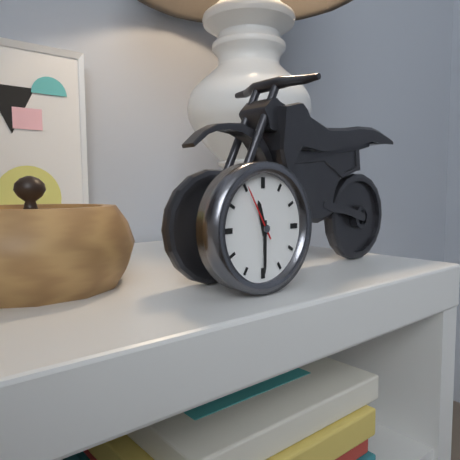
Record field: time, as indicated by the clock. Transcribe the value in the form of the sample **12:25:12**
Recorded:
**11:30:55**
